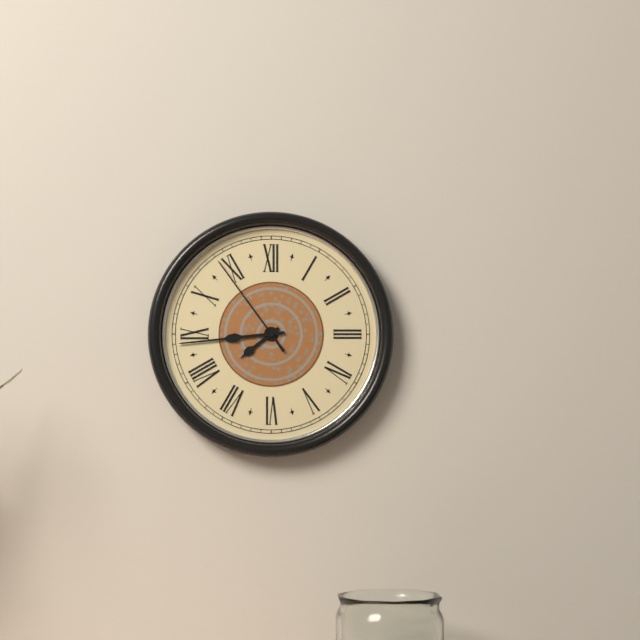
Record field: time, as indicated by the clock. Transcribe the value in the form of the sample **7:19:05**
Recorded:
**7:44:54**
